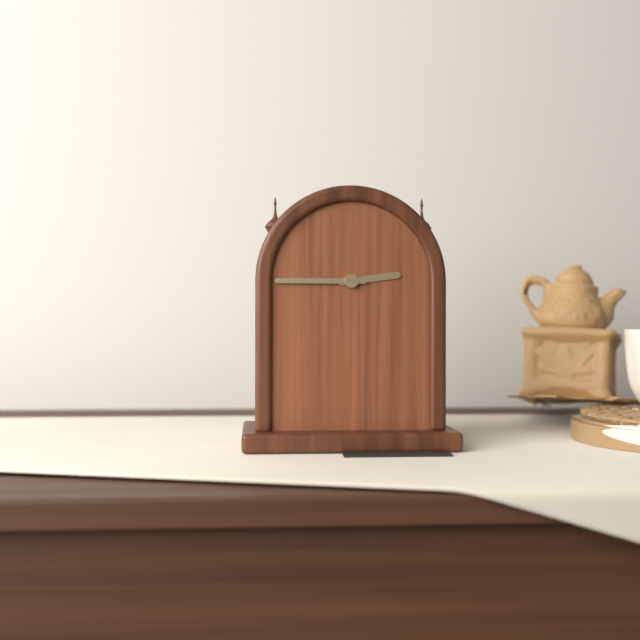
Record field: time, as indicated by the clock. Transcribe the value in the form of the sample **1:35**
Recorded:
**2:45**
